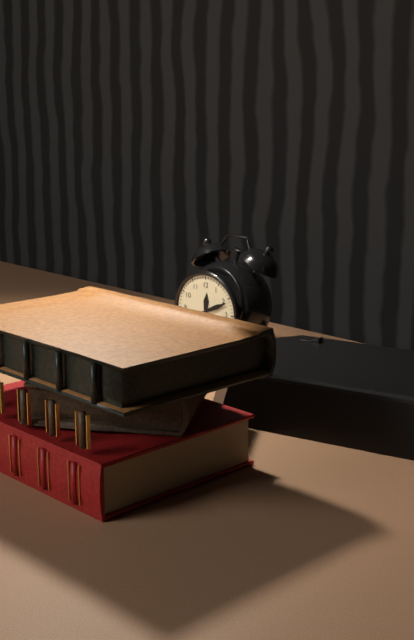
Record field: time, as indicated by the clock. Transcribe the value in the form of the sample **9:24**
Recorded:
**12:11**
